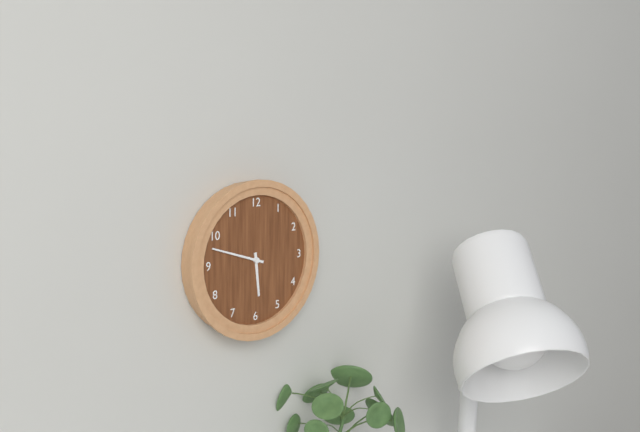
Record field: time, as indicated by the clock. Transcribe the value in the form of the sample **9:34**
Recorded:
**5:48**
